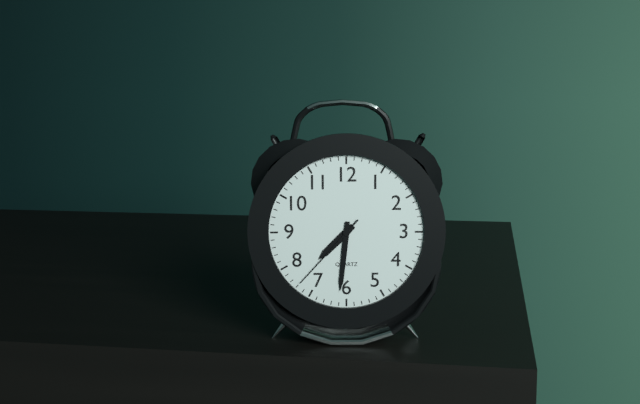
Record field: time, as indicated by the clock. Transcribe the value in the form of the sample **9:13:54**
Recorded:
**7:31:37**
